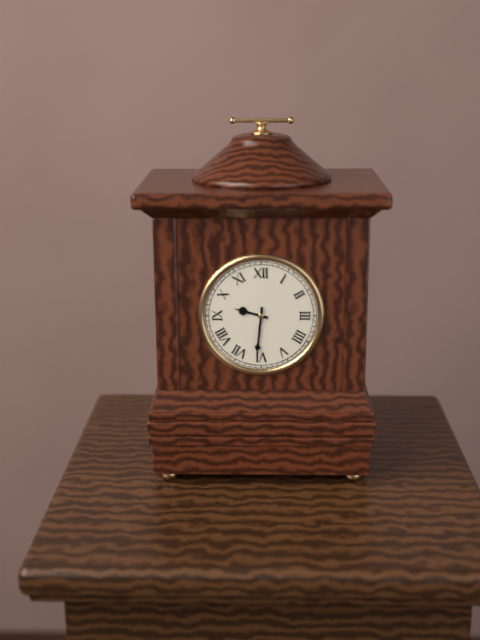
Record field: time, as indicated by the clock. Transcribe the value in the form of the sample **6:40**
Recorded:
**9:31**
